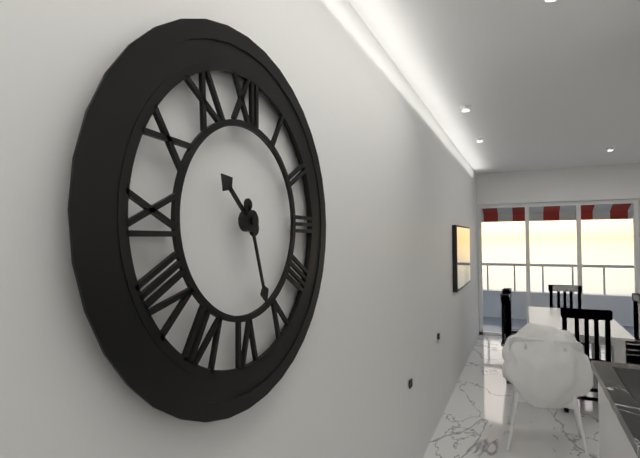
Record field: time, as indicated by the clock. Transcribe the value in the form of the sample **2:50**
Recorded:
**10:27**
